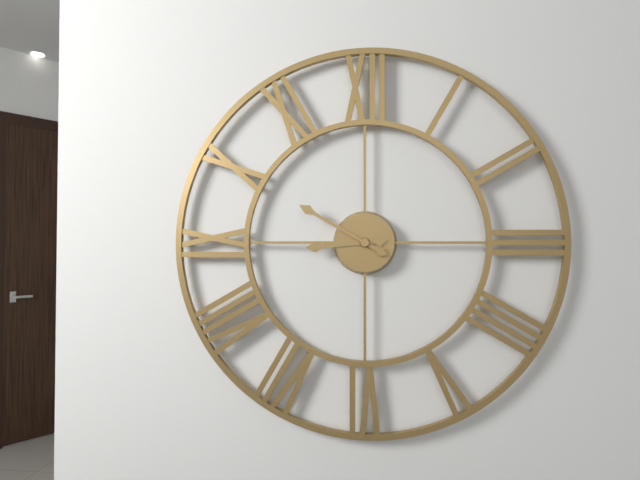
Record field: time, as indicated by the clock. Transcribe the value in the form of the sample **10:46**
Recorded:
**8:50**
